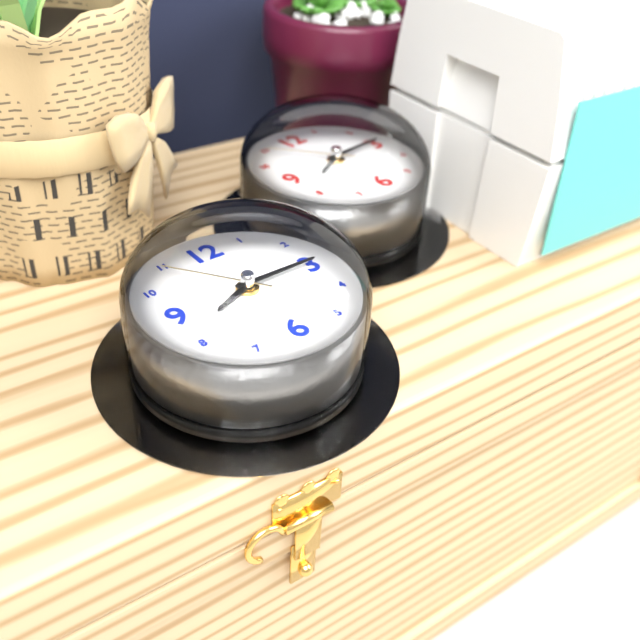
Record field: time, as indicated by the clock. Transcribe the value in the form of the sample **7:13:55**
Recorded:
**8:15:54**
